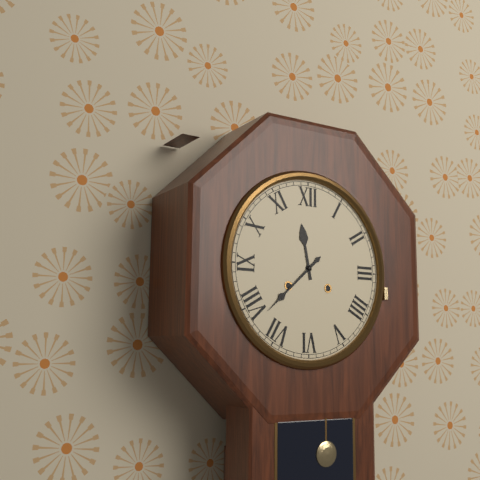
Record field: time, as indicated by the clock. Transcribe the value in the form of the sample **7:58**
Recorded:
**11:38**
